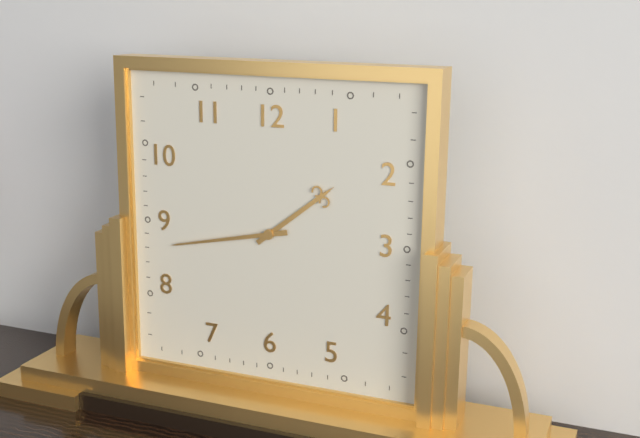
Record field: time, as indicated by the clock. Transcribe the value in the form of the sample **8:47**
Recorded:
**1:43**
